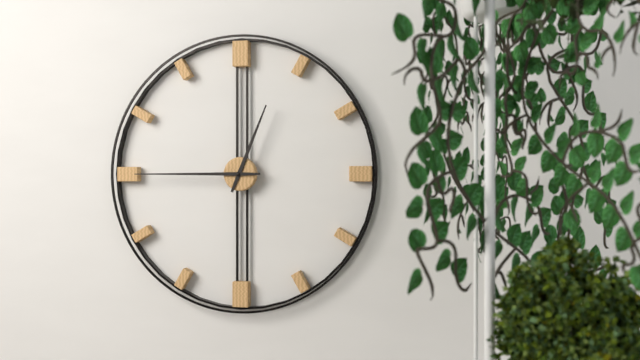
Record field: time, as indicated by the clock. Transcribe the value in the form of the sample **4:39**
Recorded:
**12:45**
